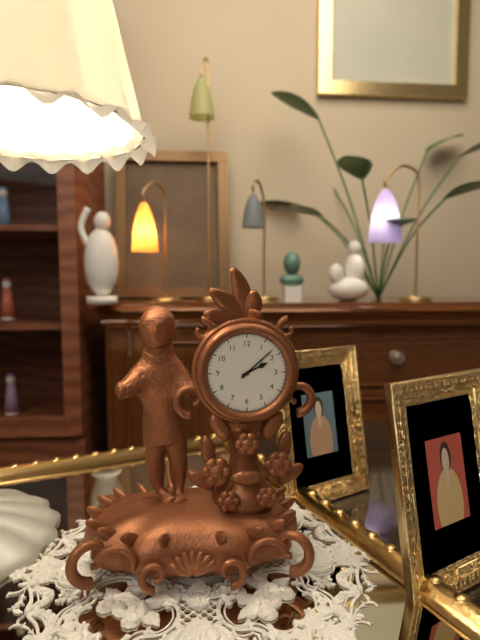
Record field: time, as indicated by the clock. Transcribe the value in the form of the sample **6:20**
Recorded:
**2:08**
